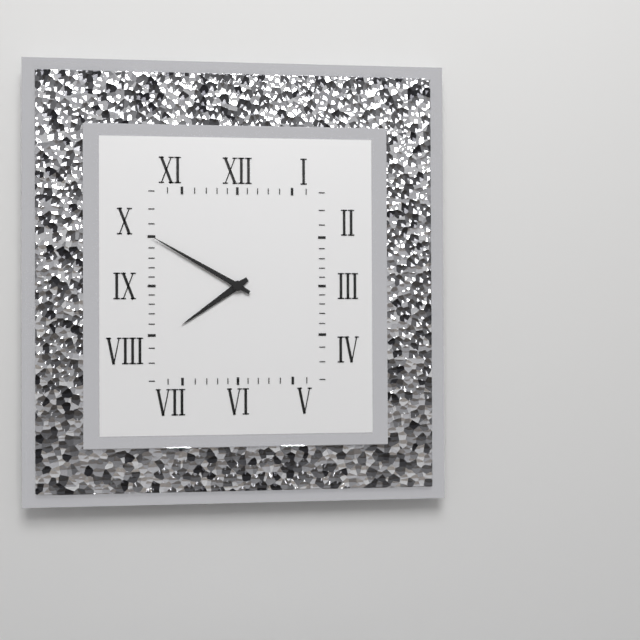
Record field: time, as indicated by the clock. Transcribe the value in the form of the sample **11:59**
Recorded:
**7:50**
